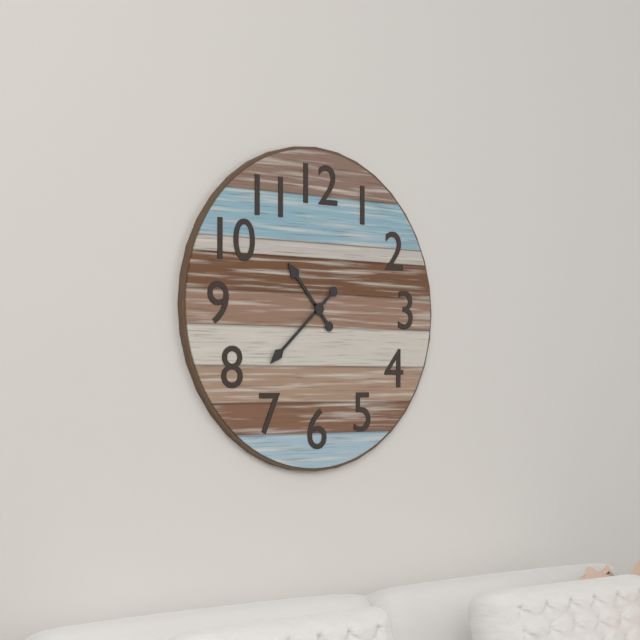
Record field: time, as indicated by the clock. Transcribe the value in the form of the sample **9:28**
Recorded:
**10:38**
